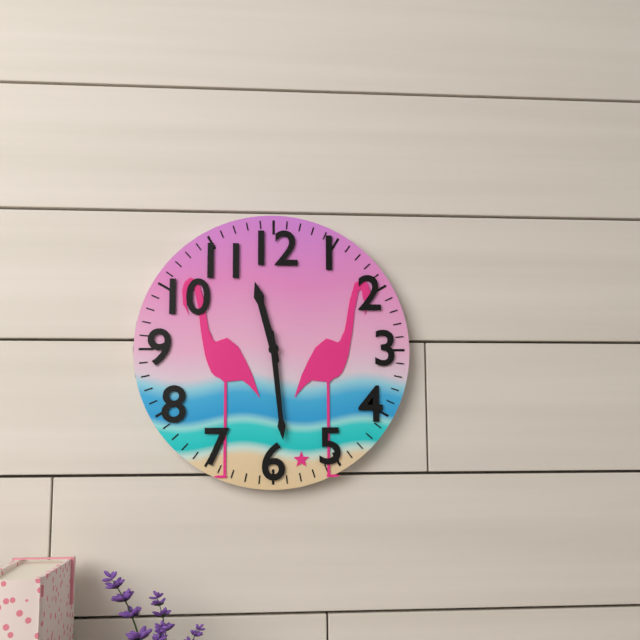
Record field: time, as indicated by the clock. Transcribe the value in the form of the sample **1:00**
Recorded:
**11:29**
